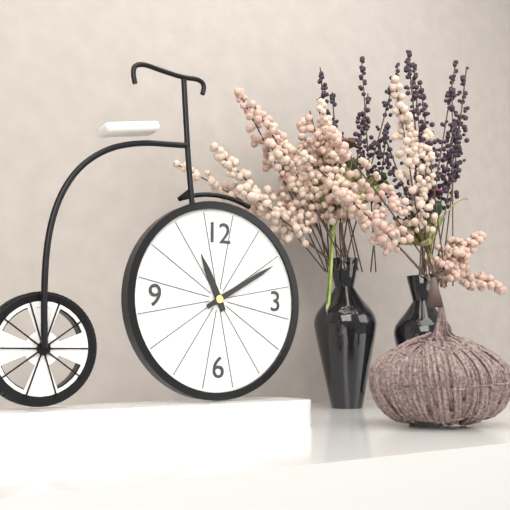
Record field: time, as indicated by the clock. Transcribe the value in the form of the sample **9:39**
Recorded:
**11:10**
